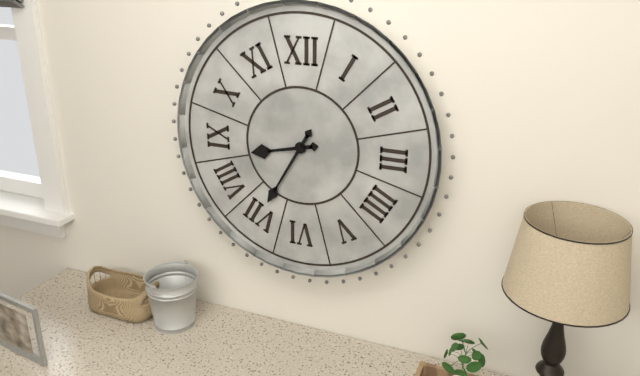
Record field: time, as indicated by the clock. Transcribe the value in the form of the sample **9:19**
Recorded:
**8:35**
